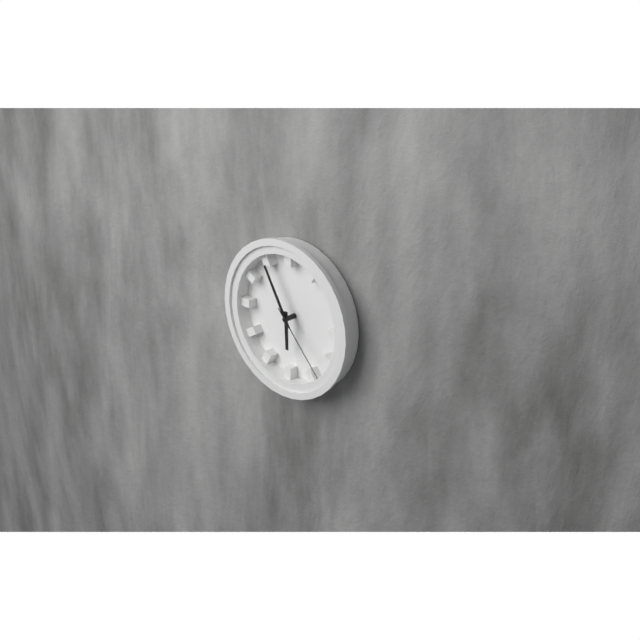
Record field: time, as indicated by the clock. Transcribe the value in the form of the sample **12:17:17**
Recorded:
**5:55:23**
